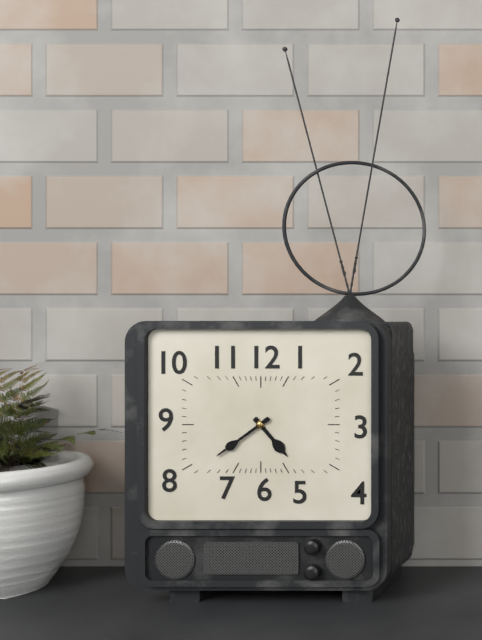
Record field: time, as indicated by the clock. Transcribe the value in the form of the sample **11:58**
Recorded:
**4:39**
